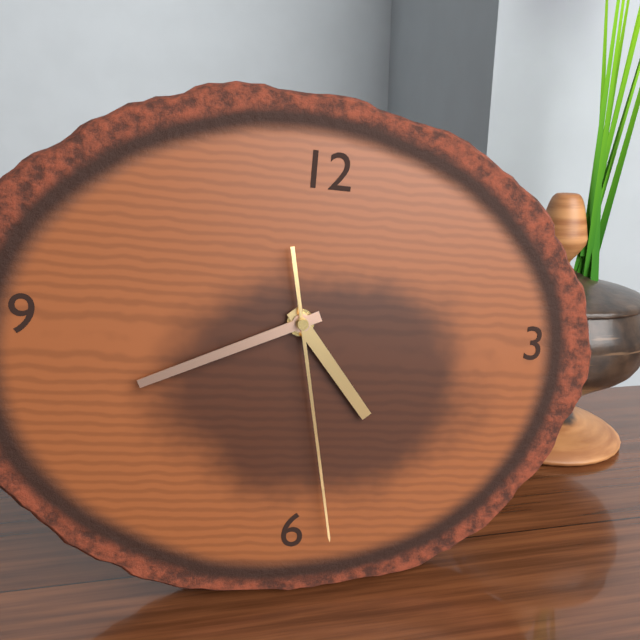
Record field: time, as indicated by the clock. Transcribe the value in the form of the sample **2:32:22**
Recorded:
**4:41:28**
